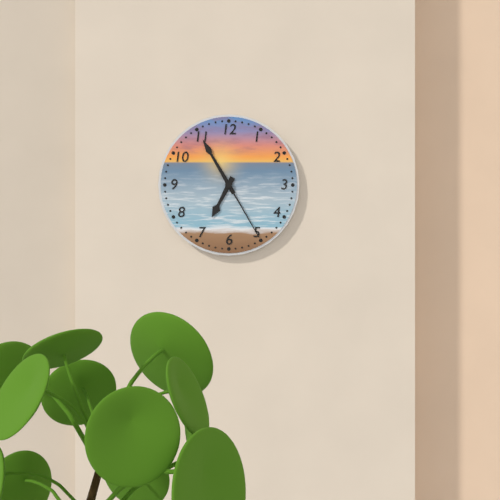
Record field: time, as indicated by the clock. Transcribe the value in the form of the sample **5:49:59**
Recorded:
**6:55:25**
